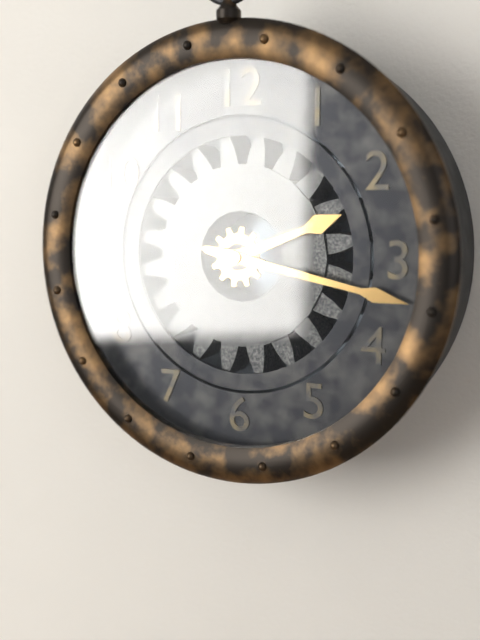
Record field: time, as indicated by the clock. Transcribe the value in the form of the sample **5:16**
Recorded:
**2:17**
